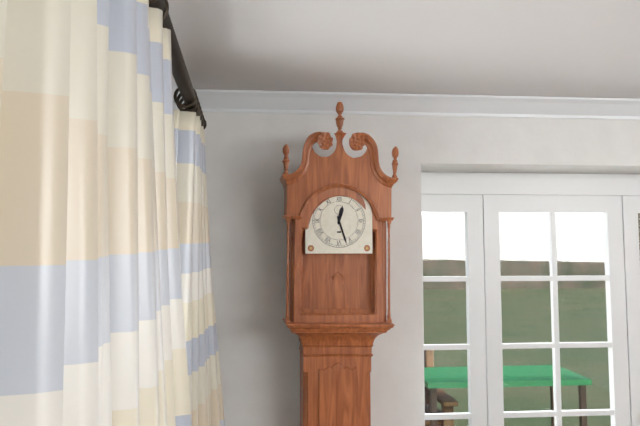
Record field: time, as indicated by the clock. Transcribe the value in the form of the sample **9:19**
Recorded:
**12:27**
